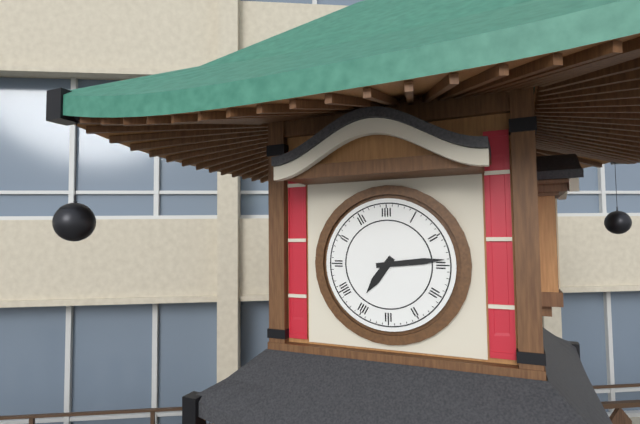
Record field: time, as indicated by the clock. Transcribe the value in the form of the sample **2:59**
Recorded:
**7:14**
